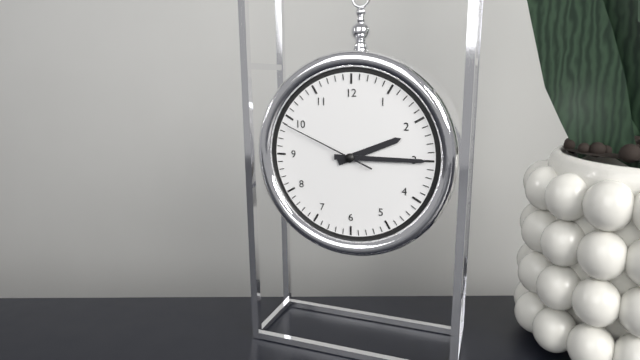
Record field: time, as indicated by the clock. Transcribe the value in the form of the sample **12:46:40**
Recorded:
**2:15:49**
